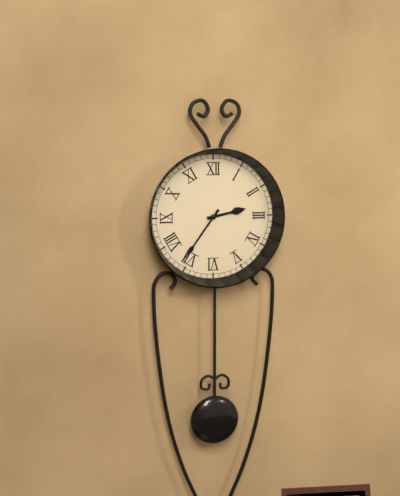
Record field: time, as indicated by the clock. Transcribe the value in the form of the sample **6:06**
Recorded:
**2:36**
